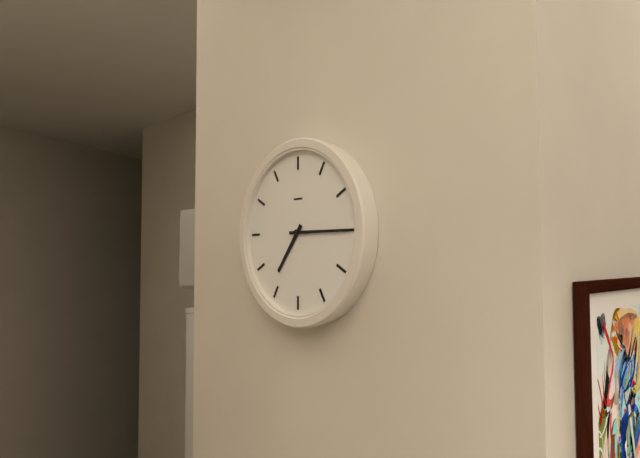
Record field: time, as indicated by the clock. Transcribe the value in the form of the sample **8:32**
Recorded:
**7:15**
